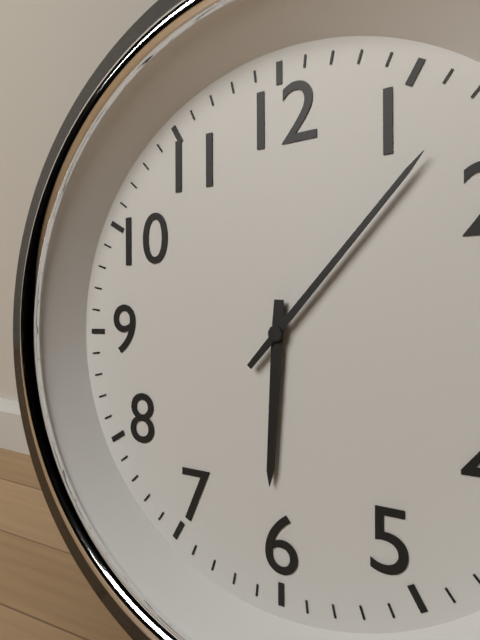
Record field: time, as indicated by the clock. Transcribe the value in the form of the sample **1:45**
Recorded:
**6:07**
